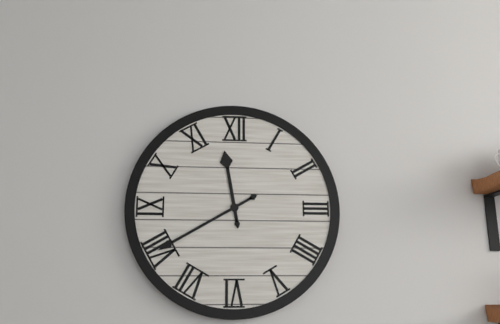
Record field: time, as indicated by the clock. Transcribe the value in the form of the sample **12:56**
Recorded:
**11:40**
